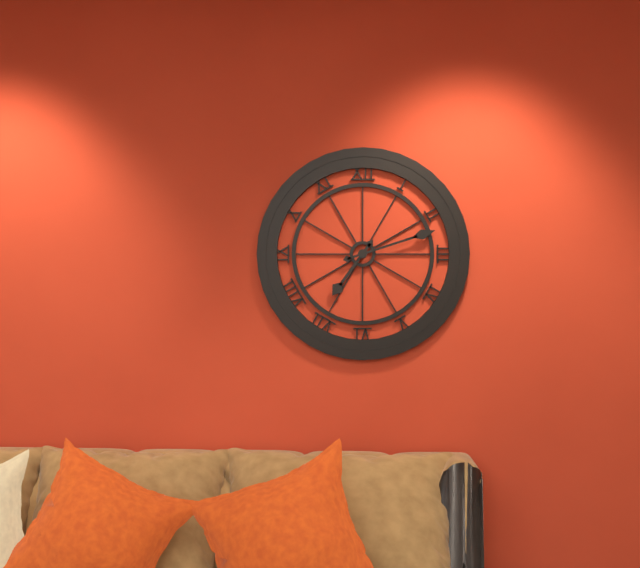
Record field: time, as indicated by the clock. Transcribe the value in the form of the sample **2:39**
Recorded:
**7:12**
